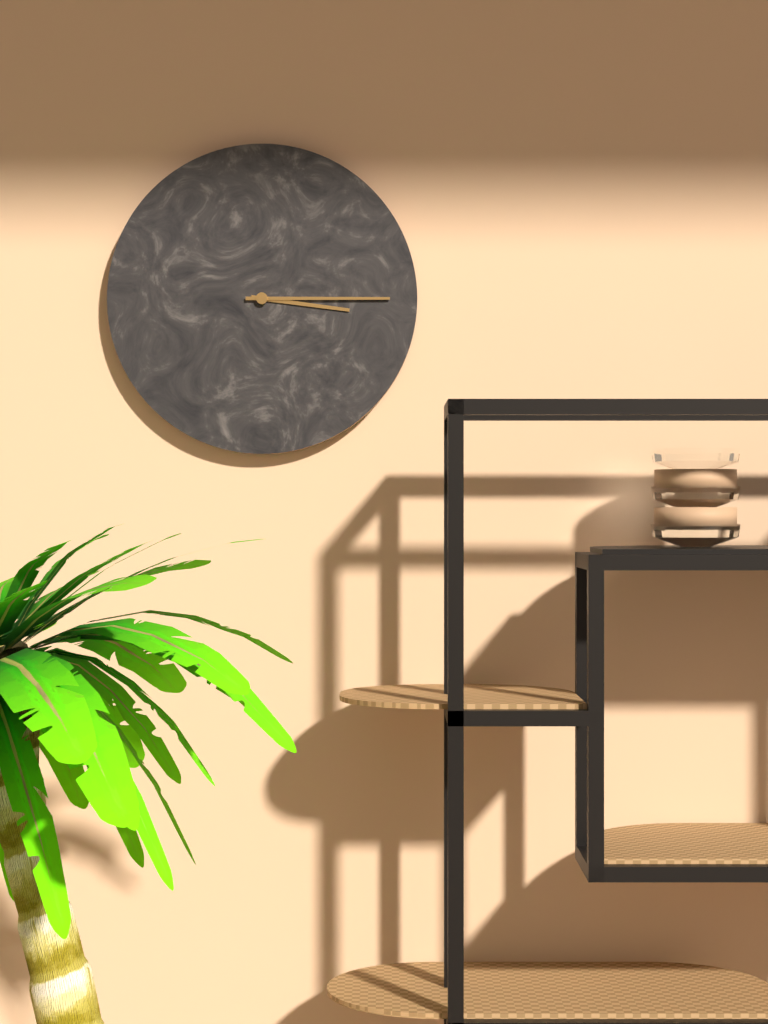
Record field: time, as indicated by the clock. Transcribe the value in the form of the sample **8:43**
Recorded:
**3:15**
